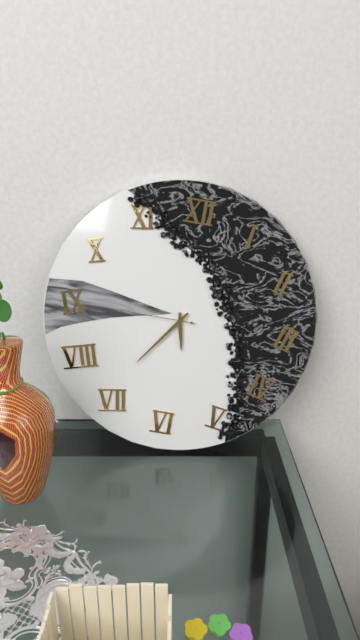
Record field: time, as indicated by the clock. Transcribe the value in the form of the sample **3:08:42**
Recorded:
**5:36:45**
